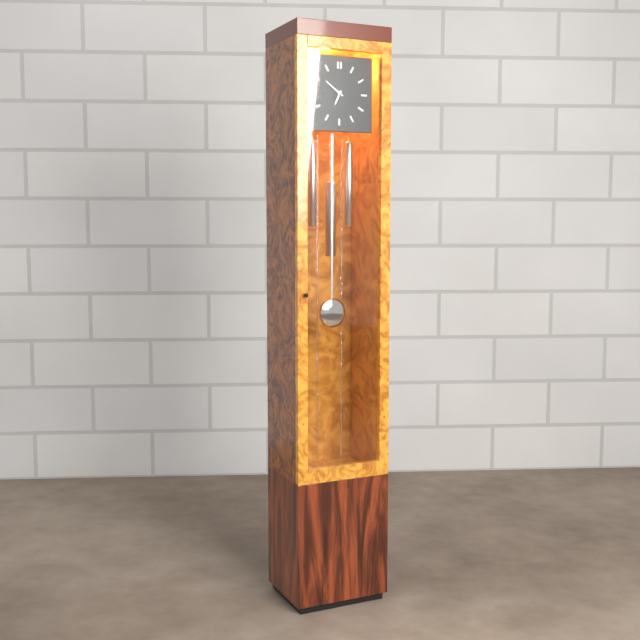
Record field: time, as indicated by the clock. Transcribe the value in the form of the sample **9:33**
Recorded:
**6:51**
